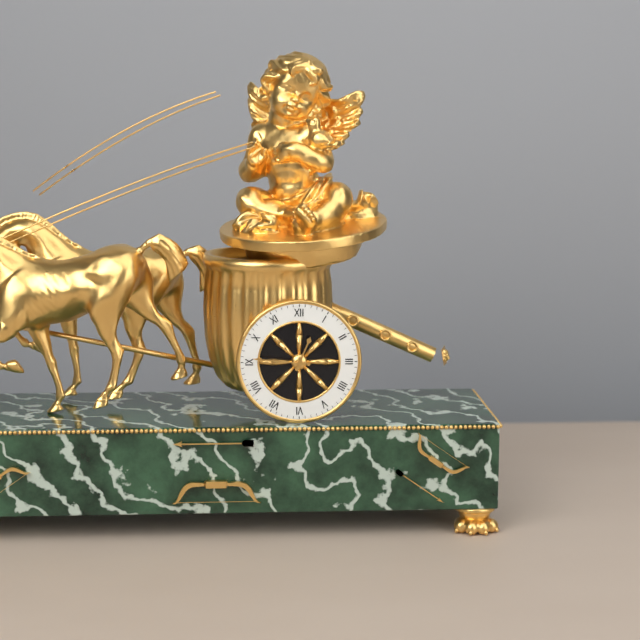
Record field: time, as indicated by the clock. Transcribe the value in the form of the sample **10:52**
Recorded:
**12:46**
